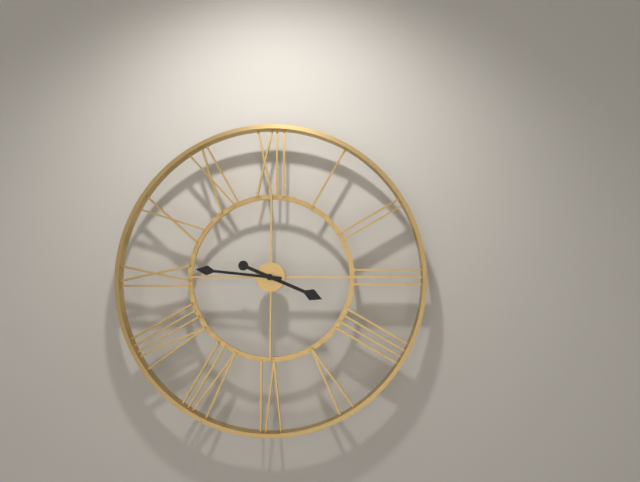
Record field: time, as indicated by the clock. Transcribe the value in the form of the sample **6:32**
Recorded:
**3:46**
